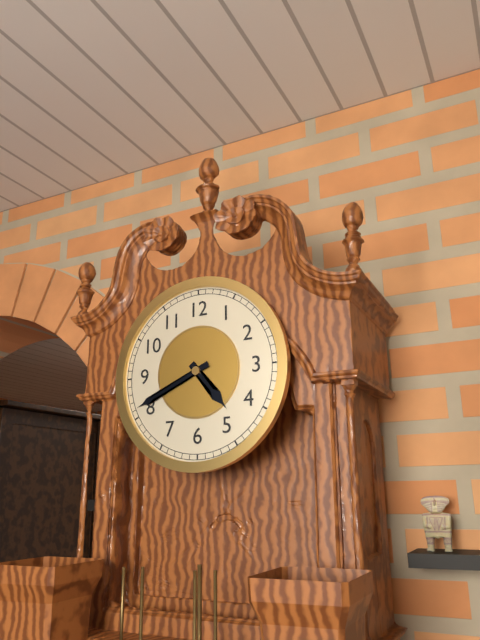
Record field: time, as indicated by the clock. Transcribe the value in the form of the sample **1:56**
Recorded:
**4:41**
